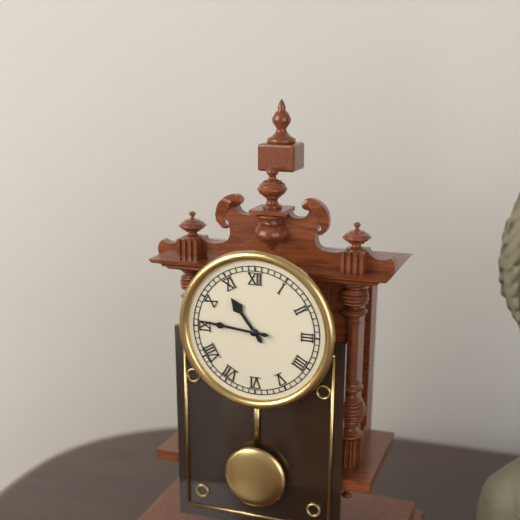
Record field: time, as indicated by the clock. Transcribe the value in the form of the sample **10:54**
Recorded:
**10:46**
